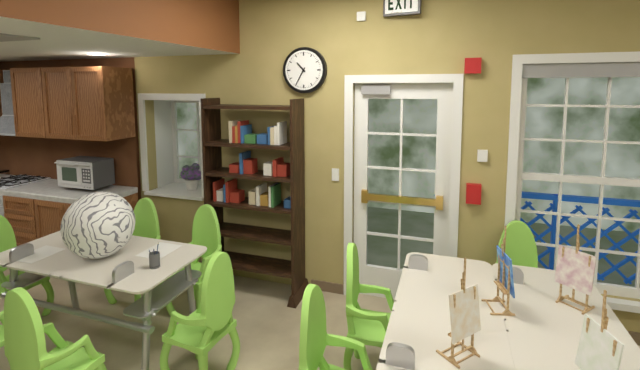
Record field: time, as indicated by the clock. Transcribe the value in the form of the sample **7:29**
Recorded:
**10:35**
